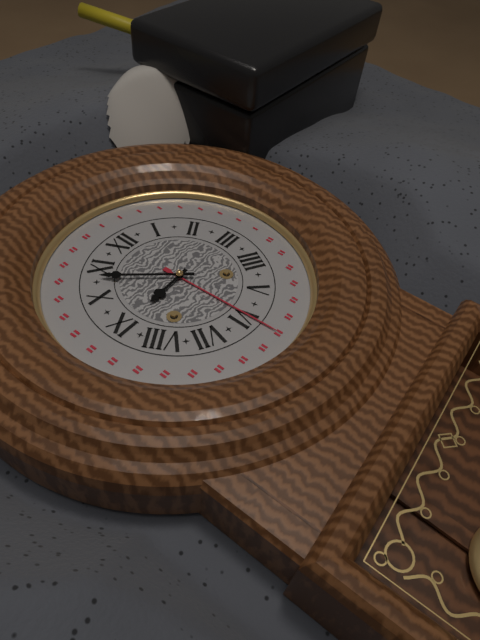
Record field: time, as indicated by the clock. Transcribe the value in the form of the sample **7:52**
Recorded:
**8:53**
